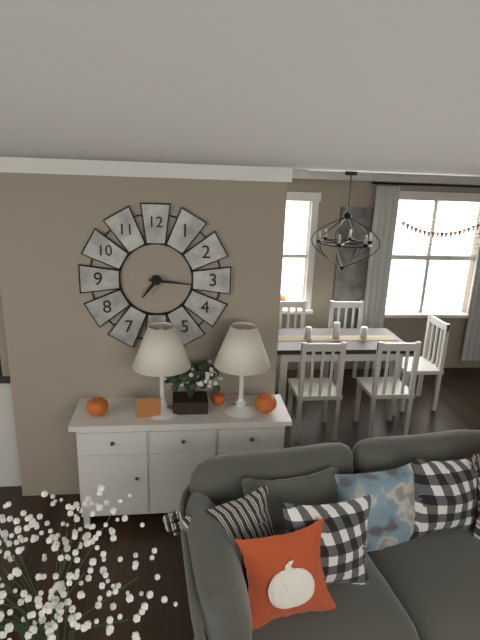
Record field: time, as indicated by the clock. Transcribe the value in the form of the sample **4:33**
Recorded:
**7:16**
